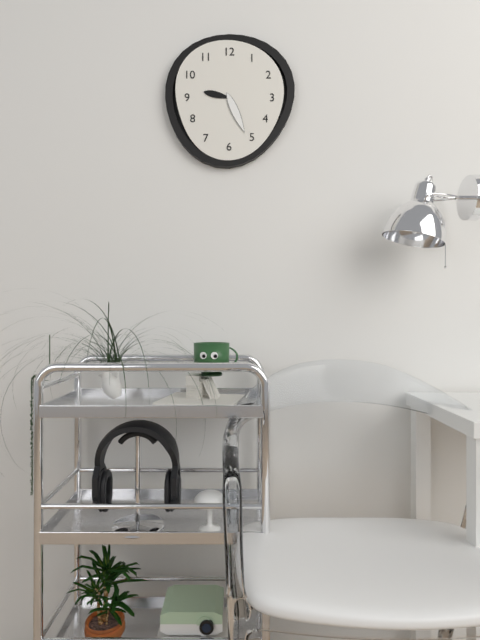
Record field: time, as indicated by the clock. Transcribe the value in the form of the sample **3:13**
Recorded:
**9:26**
